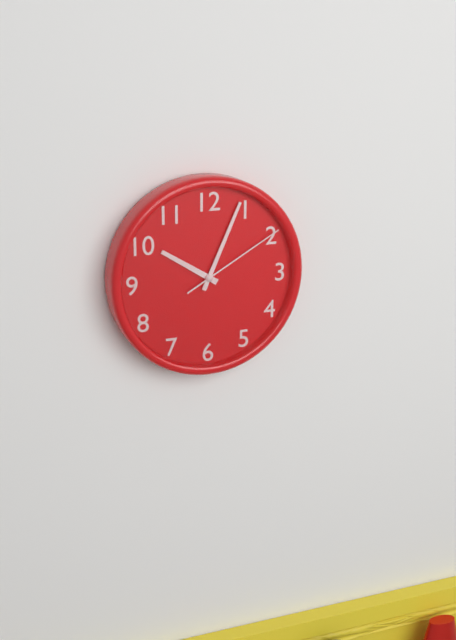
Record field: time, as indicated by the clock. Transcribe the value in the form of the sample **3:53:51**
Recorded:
**10:04:10**
